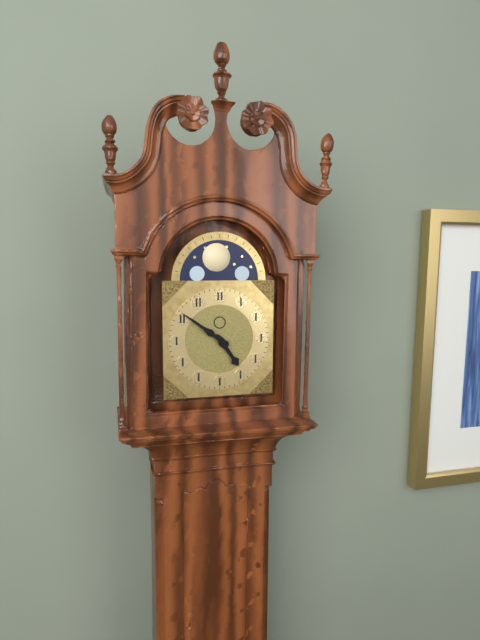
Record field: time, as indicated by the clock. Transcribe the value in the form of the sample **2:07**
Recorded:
**4:51**
